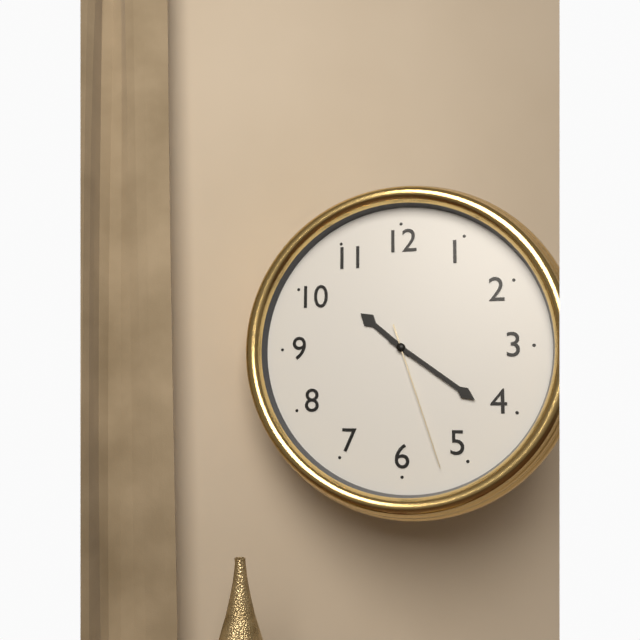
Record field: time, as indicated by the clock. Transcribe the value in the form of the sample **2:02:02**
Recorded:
**10:21:27**
